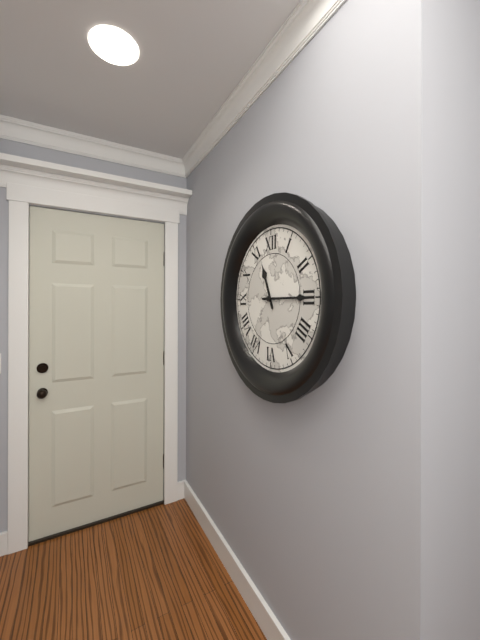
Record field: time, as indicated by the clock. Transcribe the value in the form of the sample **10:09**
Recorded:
**11:15**
